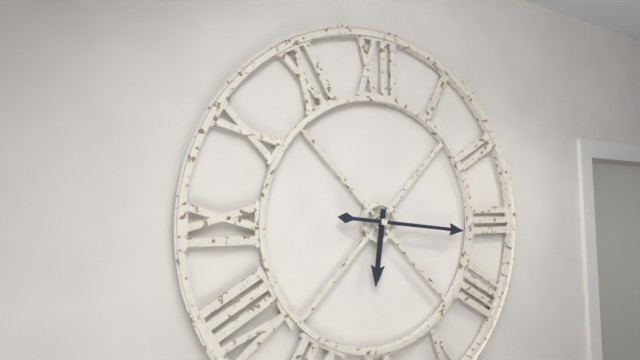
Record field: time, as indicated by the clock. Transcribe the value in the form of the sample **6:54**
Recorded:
**6:16**
